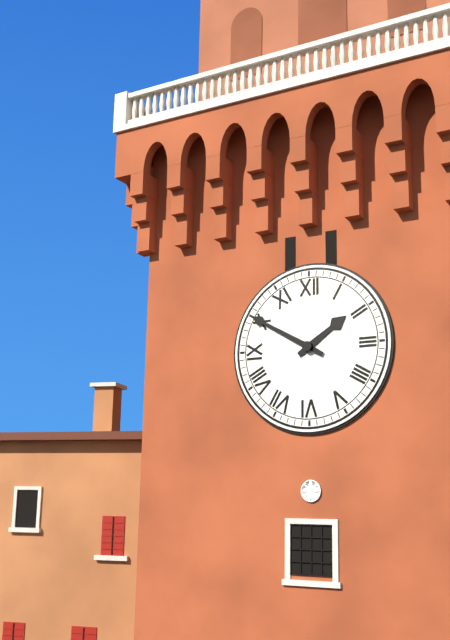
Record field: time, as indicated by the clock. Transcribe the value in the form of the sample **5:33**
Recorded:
**1:50**
